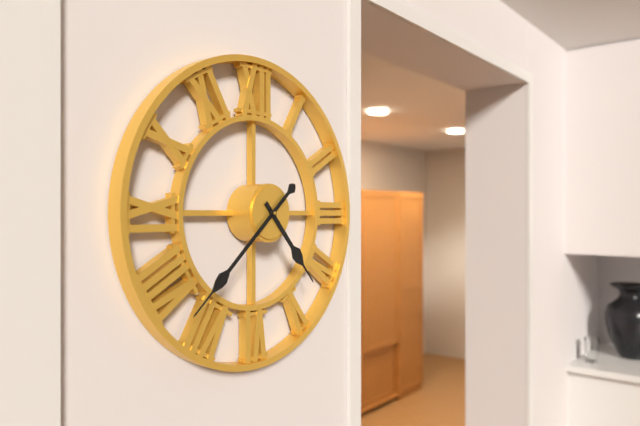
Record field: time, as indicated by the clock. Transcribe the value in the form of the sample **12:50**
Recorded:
**4:38**
